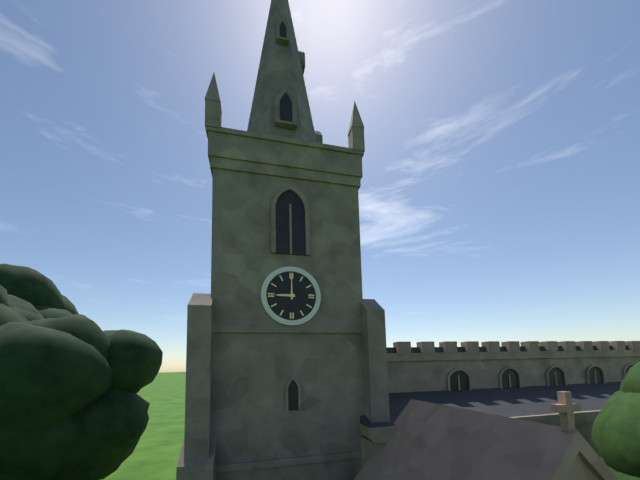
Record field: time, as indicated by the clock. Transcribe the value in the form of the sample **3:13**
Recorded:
**9:00**
